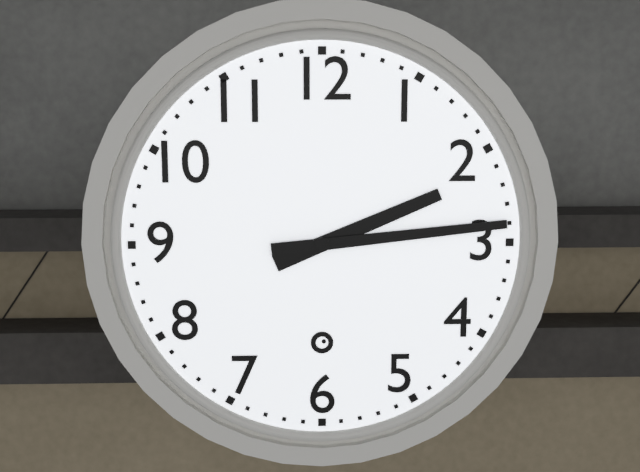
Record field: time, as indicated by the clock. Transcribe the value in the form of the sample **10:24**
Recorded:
**2:14**
